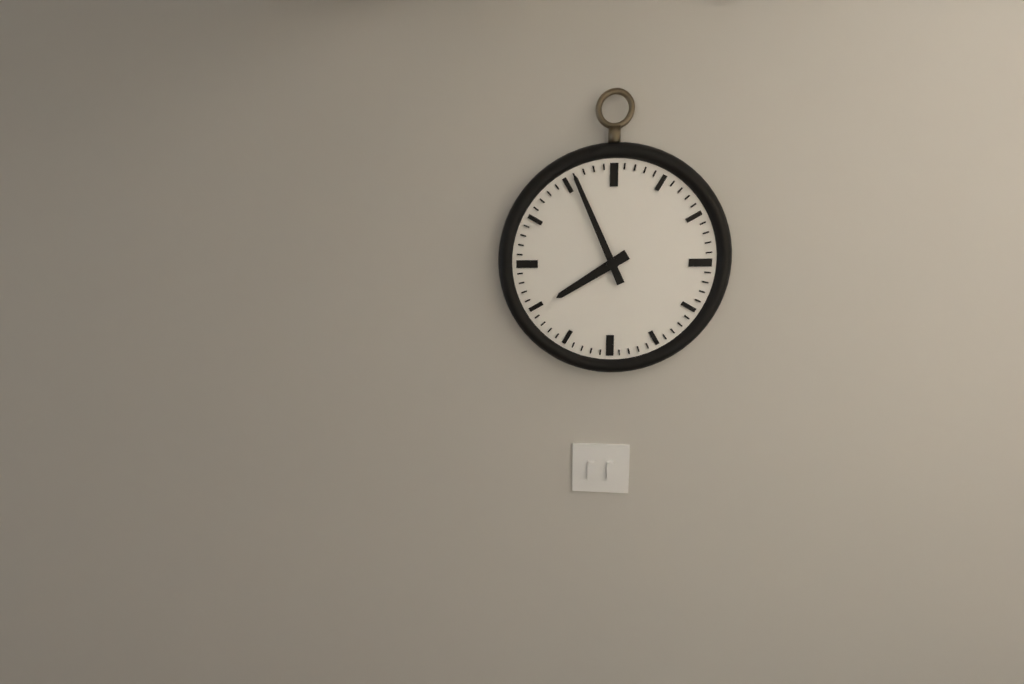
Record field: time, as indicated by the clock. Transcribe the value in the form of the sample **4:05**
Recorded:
**7:56**
